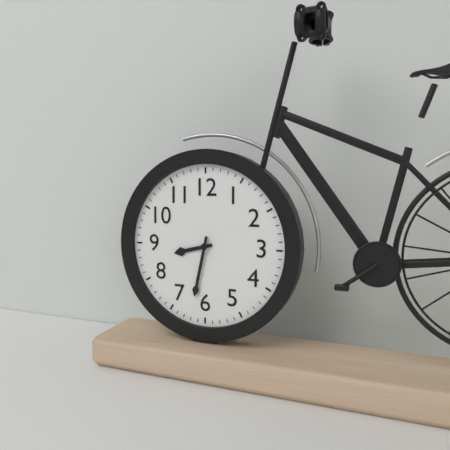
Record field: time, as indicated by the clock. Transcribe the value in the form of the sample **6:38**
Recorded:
**8:32**
